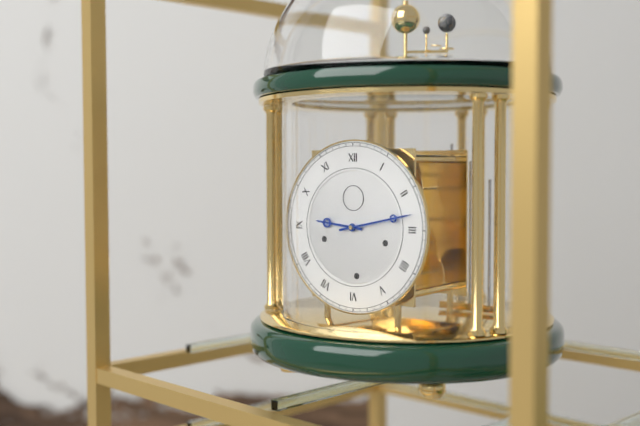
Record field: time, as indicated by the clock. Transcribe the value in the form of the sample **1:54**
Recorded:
**9:13**
